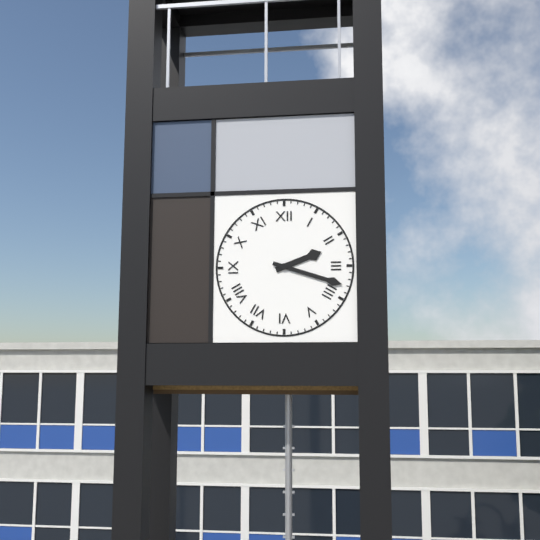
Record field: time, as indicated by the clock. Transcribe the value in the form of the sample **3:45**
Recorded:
**2:18**
